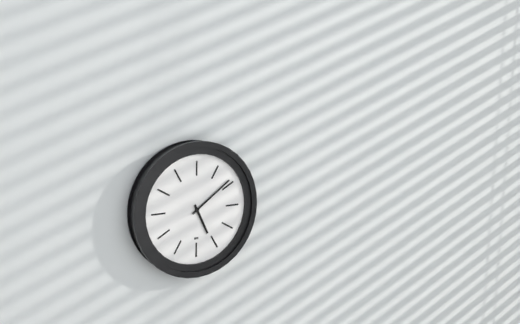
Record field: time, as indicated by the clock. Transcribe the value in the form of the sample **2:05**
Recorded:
**5:09**
